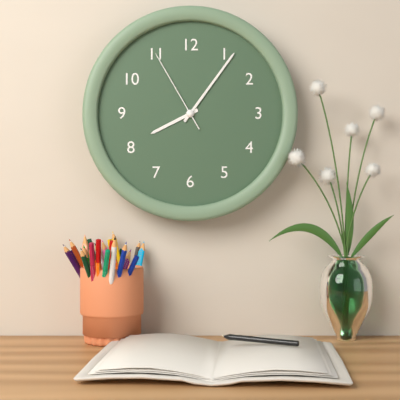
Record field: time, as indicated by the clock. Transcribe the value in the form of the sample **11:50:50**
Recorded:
**8:06:55**
